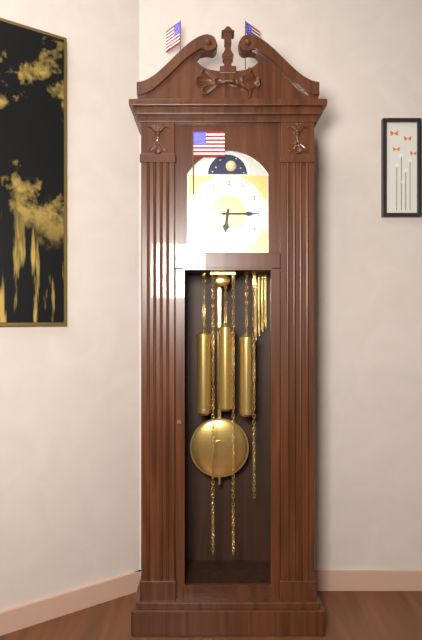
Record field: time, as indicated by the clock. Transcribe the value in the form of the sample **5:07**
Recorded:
**6:15**
